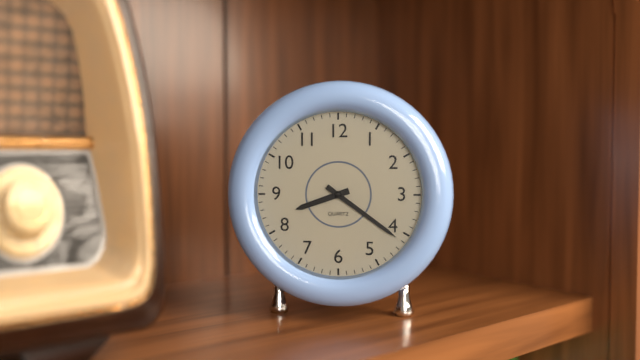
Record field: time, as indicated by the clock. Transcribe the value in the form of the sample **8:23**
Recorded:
**8:21**
